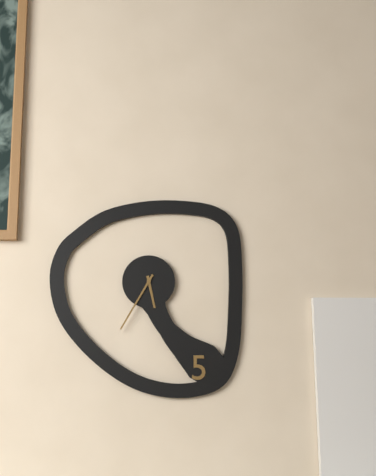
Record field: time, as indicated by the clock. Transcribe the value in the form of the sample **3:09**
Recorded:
**5:35**
